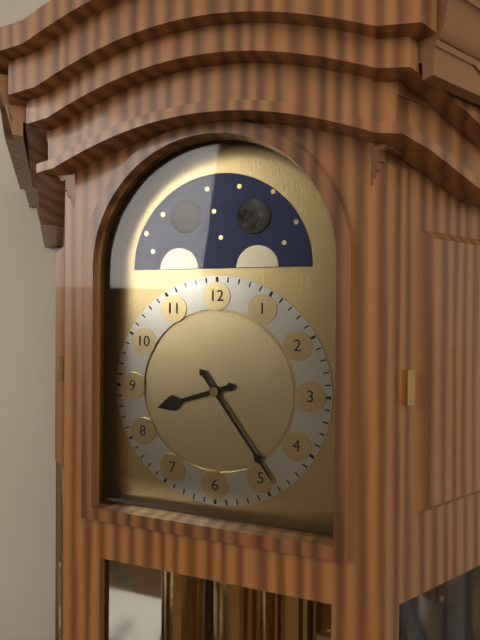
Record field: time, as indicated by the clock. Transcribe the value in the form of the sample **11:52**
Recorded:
**8:24**
